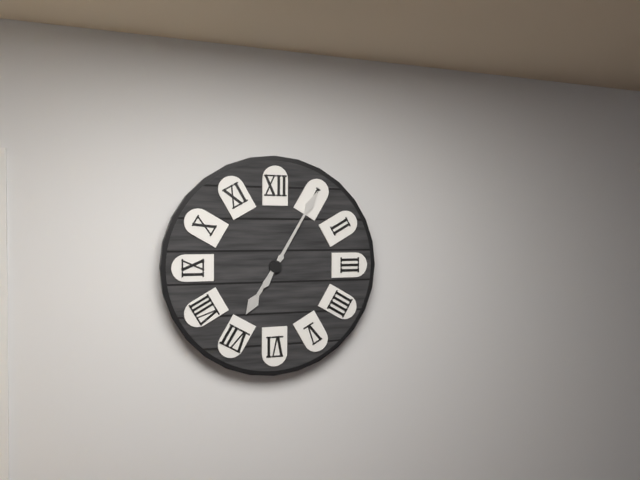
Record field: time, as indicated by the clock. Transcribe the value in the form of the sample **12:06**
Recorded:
**7:05**
